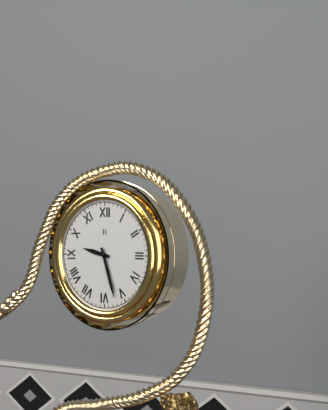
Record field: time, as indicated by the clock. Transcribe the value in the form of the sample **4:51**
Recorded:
**9:27**
